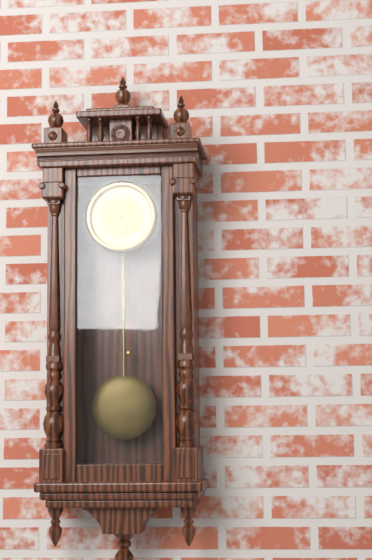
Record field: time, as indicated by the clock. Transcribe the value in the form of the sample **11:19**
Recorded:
**5:24**
